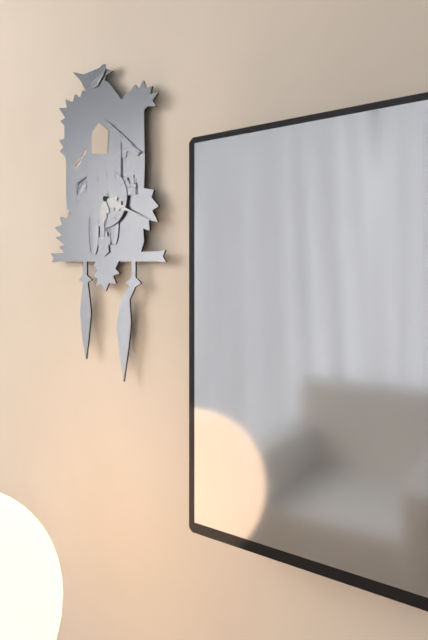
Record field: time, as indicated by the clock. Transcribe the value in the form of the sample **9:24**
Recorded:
**6:19**
